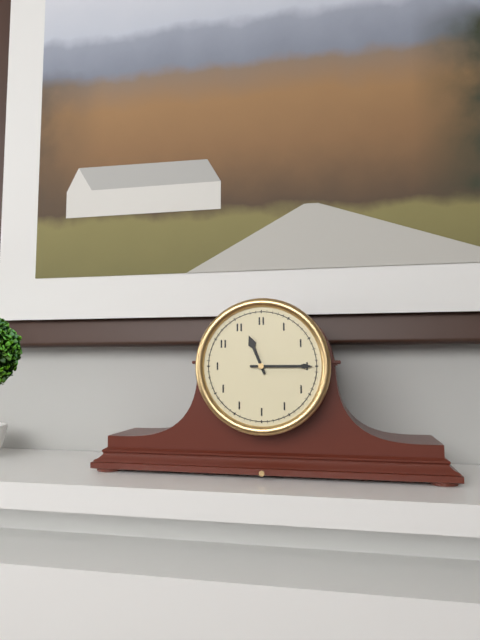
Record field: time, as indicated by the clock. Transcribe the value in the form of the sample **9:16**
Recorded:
**11:15**
